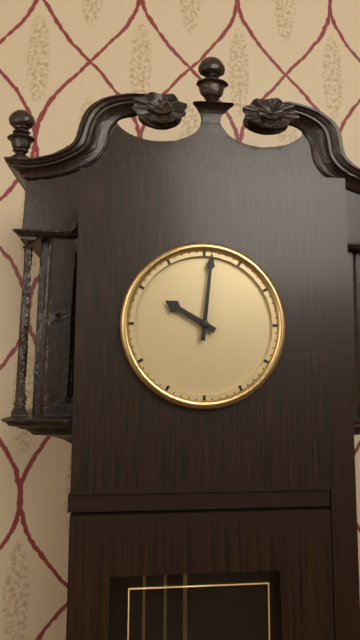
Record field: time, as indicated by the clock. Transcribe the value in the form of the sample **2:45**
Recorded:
**10:01**
